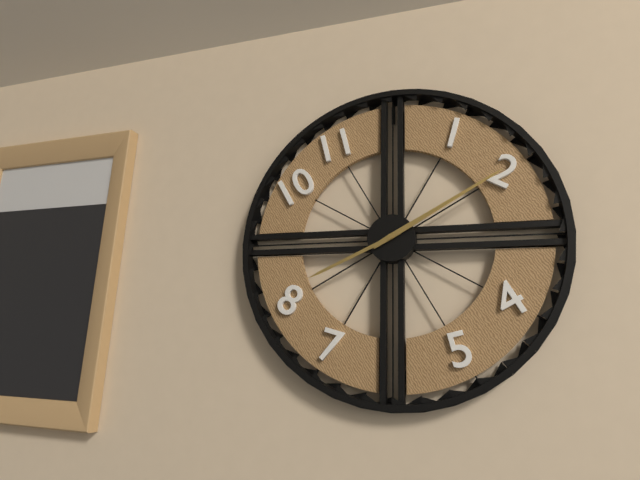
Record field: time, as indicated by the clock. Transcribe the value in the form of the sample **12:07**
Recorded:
**8:10**
